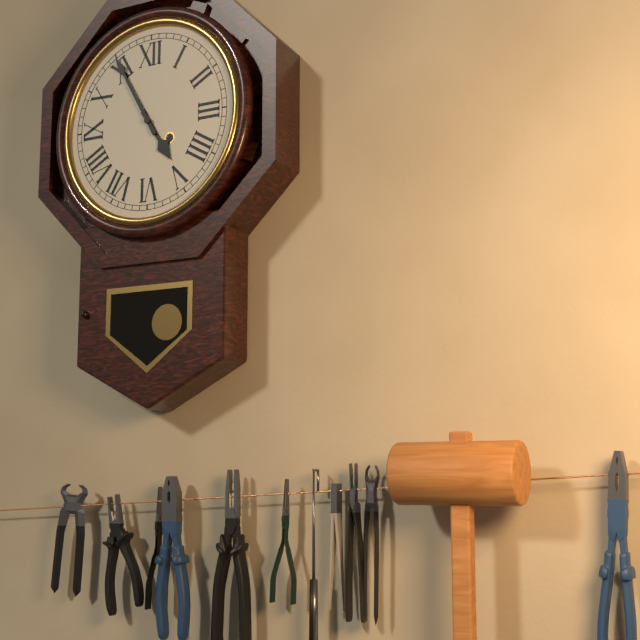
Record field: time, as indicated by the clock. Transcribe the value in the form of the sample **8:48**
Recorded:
**4:55**
